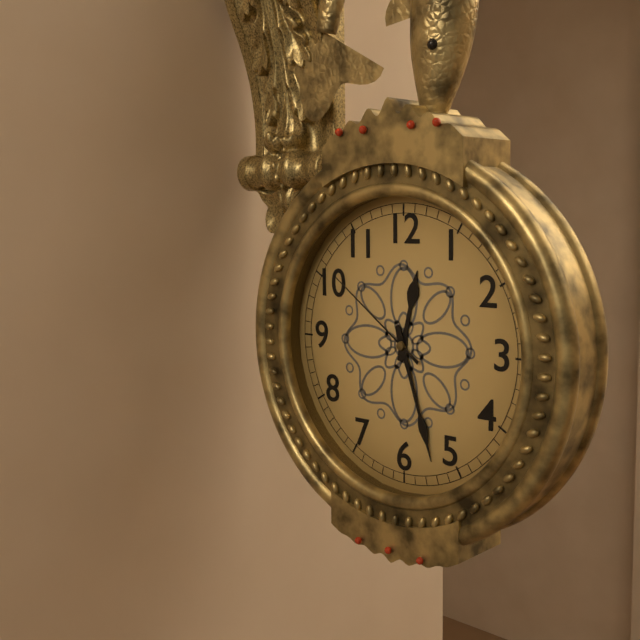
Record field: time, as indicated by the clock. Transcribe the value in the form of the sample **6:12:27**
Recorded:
**12:27:51**
